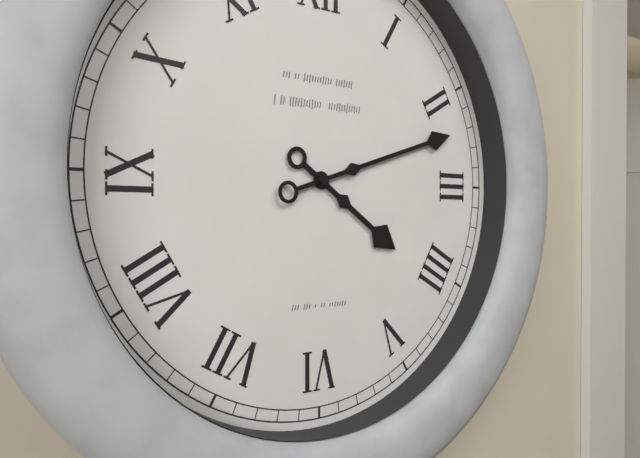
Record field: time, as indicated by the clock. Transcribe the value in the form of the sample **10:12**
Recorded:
**4:12**
